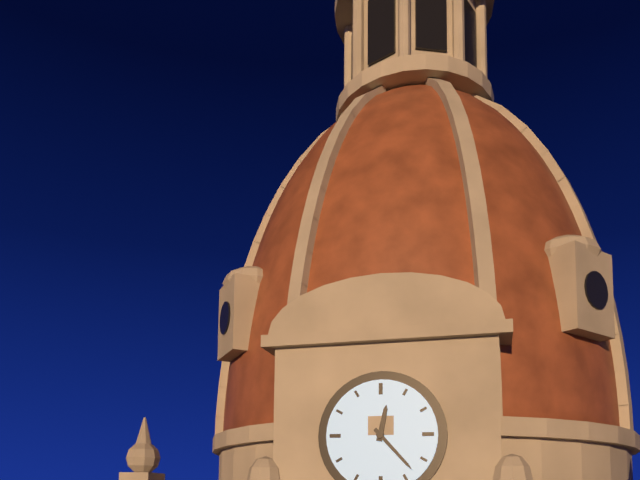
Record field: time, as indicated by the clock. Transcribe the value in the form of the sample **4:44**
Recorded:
**12:23**
